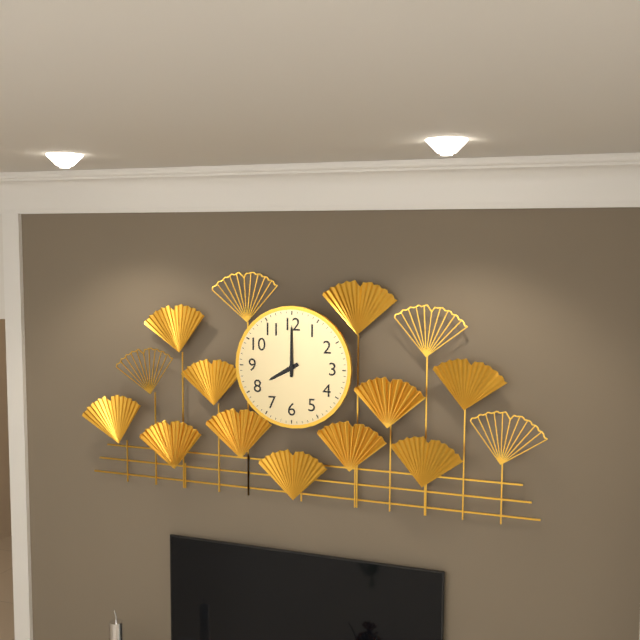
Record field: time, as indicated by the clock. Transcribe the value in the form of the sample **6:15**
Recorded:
**8:00**
